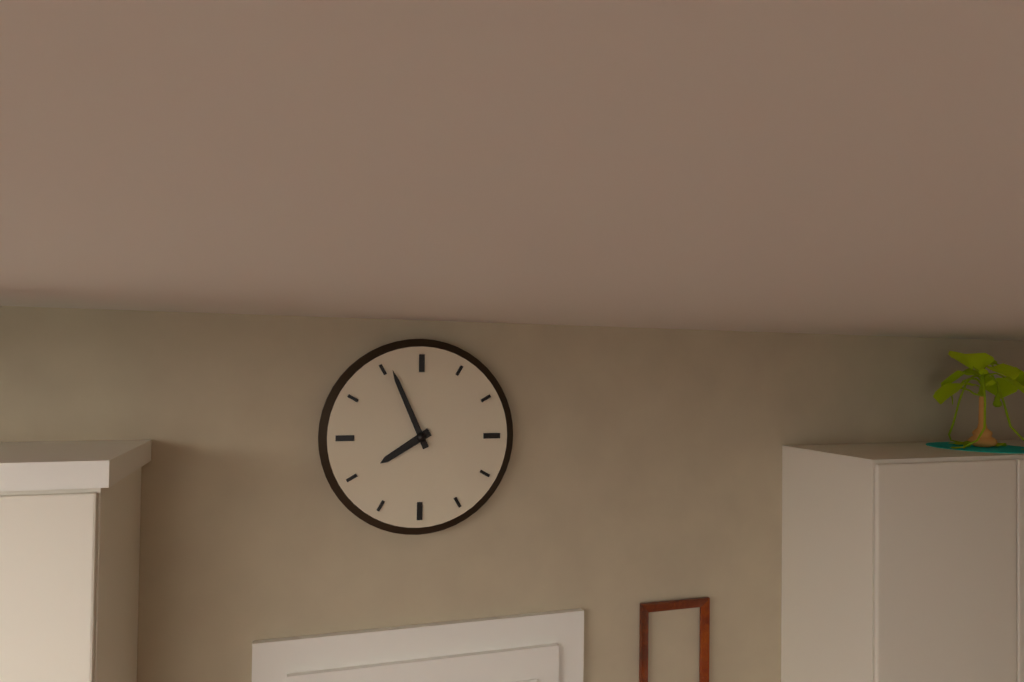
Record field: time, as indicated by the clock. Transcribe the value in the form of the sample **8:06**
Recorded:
**7:56**
